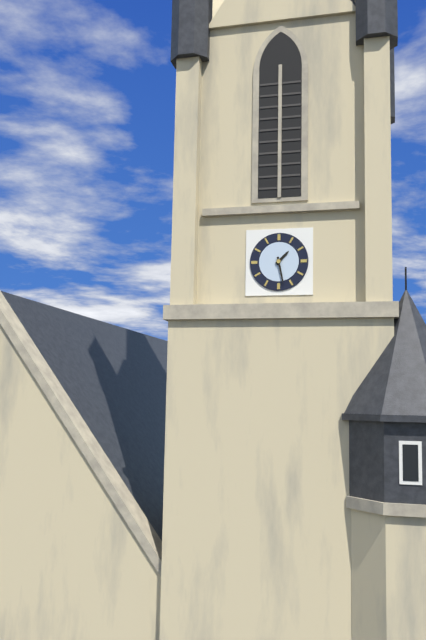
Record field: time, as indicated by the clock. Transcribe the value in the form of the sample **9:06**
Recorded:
**1:28**
